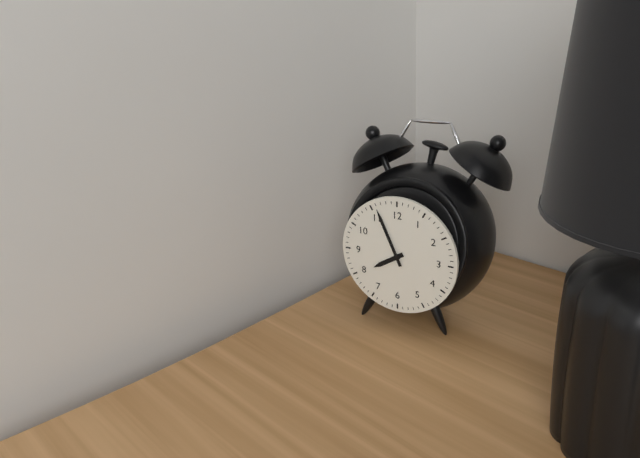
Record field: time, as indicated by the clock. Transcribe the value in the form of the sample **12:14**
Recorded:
**7:56**
